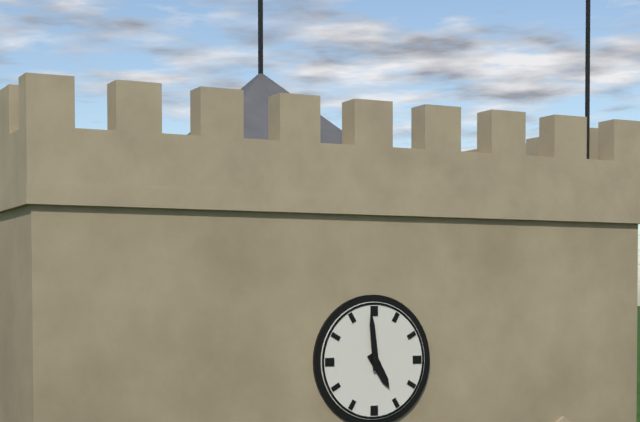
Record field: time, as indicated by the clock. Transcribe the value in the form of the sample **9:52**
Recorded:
**4:59**
